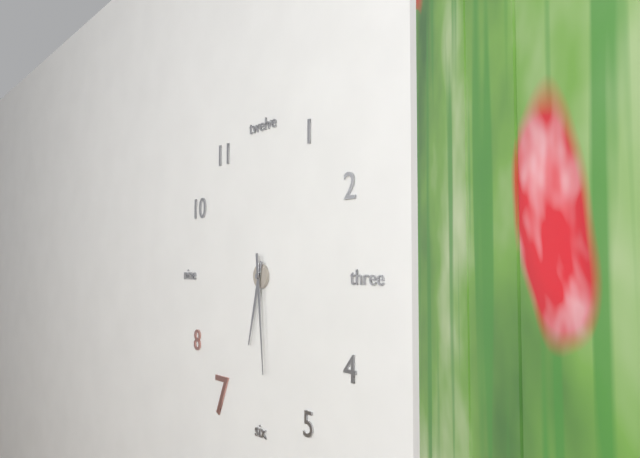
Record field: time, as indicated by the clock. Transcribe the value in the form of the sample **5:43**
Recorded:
**6:29**
